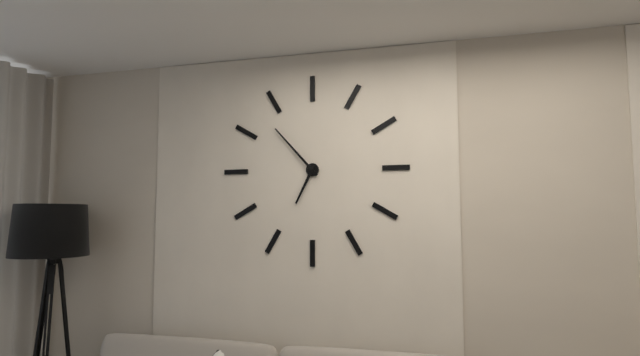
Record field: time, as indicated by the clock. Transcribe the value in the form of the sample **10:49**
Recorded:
**6:53**
